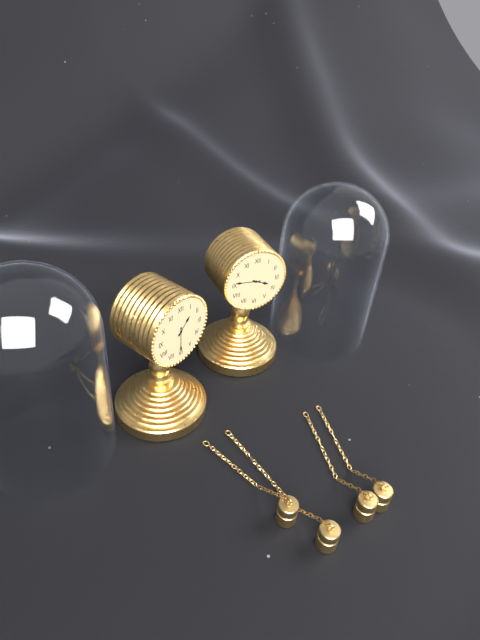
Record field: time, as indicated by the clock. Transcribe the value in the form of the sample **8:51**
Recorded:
**1:30**
